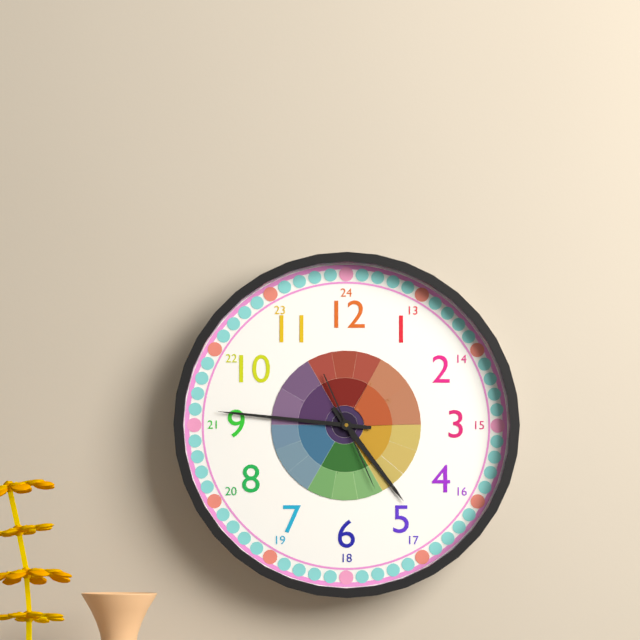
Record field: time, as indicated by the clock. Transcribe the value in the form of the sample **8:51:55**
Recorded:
**4:46:26**
